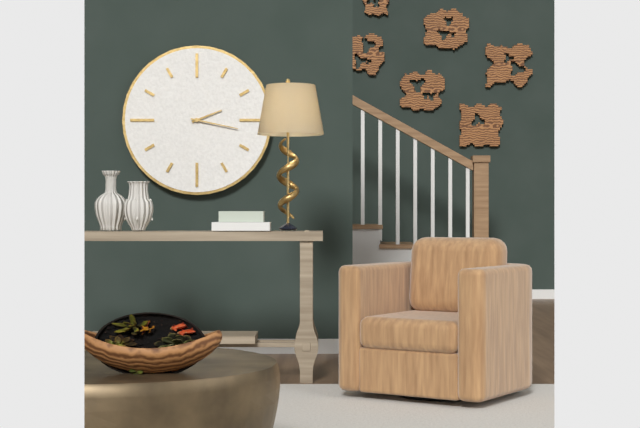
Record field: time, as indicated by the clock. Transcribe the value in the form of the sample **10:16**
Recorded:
**2:17**
